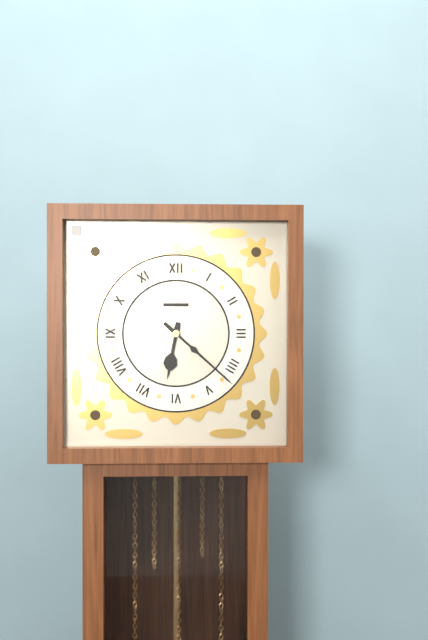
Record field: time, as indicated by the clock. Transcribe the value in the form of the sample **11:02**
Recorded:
**6:22**
